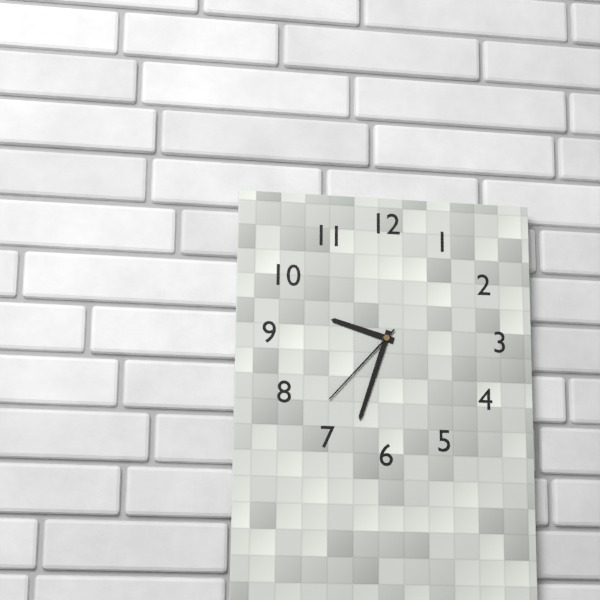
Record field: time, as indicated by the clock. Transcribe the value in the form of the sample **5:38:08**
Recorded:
**9:33:37**
